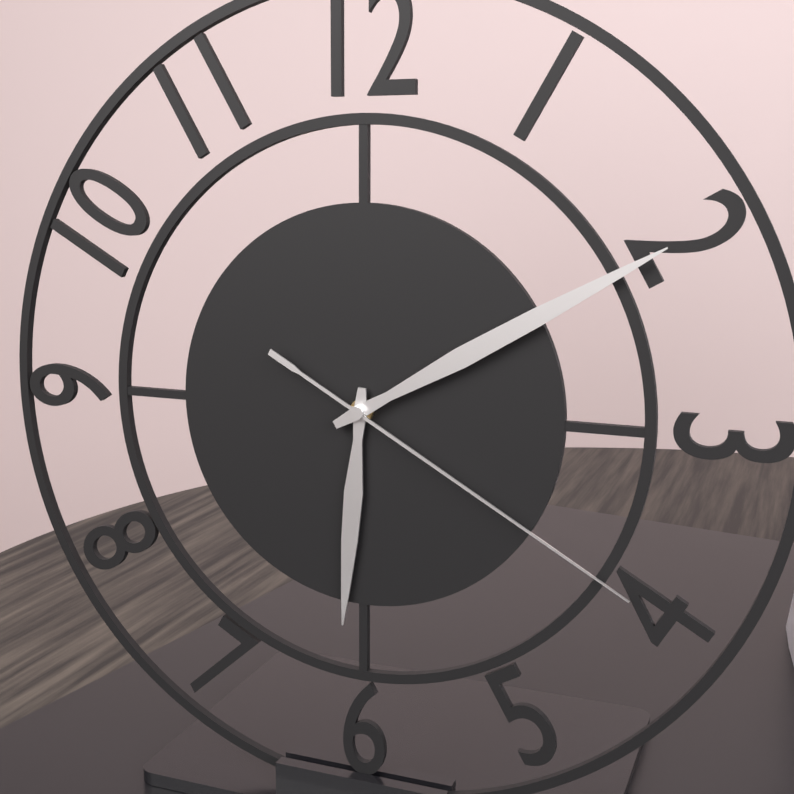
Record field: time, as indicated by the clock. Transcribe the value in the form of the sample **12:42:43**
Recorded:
**6:10:20**
